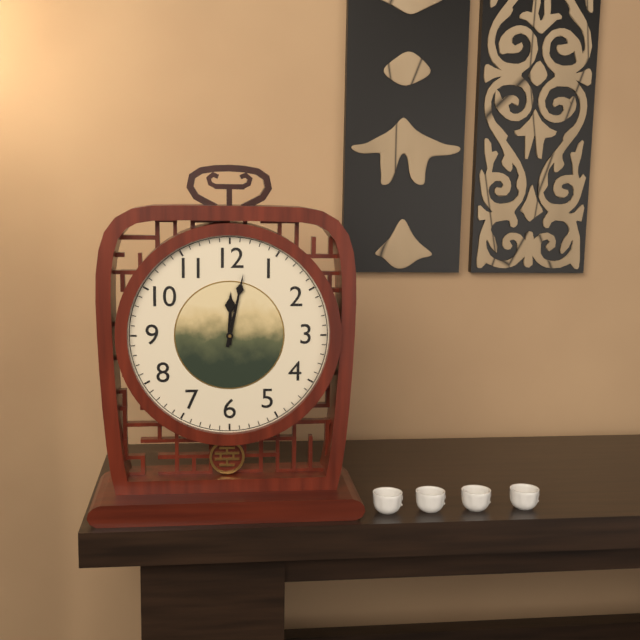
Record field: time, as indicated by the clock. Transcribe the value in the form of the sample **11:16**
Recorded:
**12:02**
